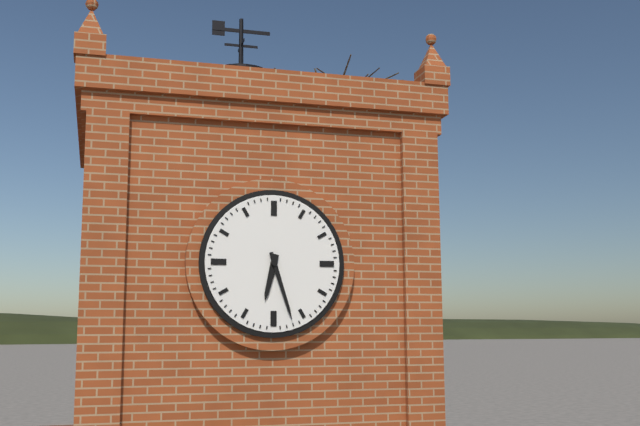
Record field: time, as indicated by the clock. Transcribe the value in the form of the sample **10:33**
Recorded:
**6:27**
